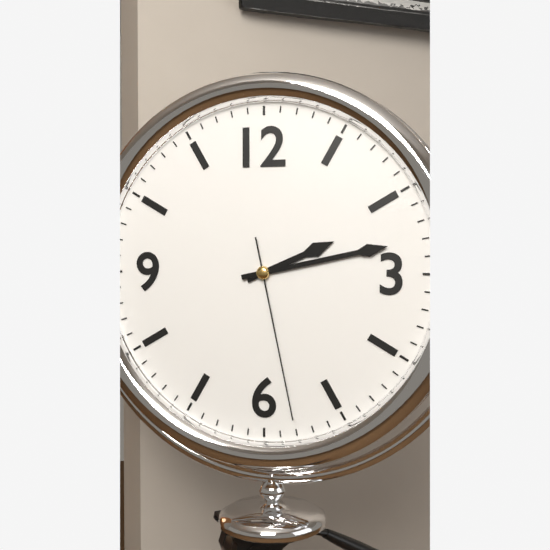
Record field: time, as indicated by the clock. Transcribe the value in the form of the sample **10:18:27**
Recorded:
**2:13:28**
